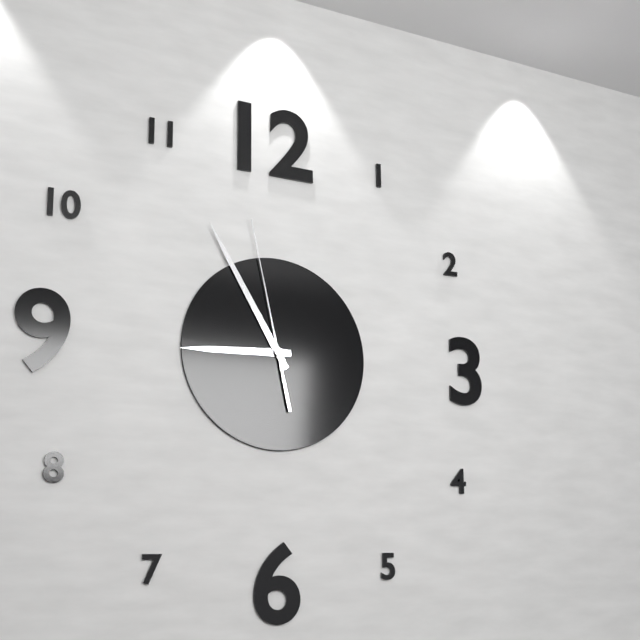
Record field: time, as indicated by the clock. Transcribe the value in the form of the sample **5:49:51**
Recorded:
**8:55:58**
